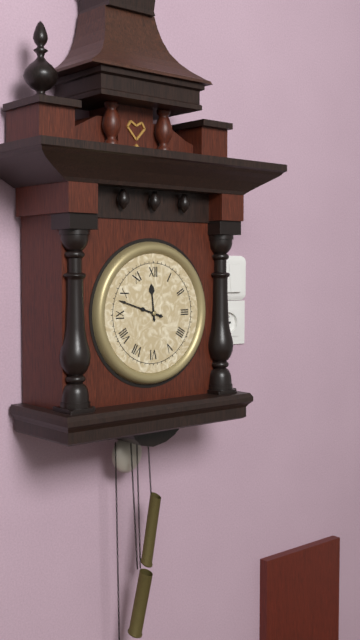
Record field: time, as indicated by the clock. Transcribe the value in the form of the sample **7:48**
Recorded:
**11:48**
